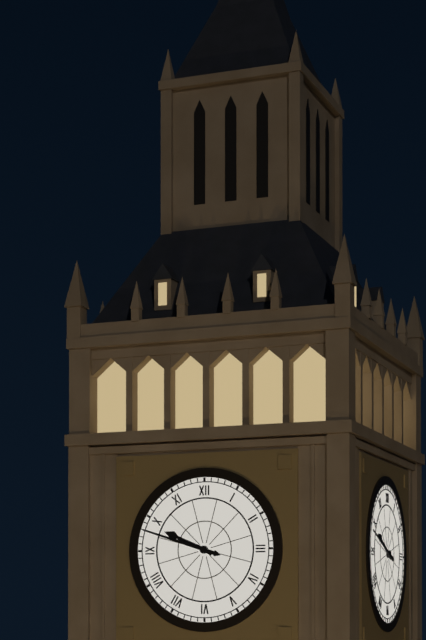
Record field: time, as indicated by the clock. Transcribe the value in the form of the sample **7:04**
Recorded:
**9:48**
